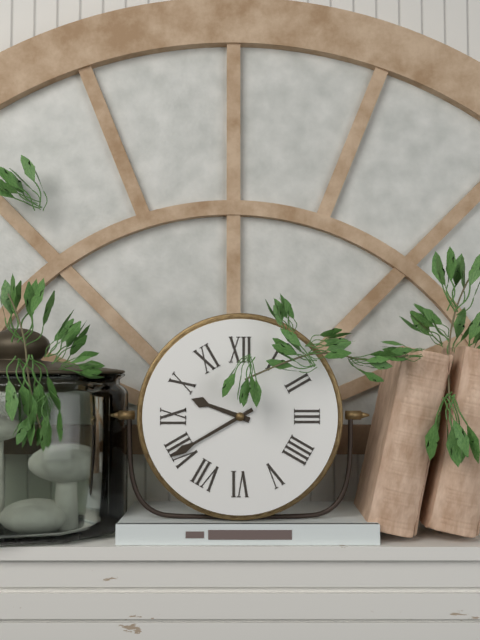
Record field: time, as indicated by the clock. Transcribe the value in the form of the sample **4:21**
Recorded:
**9:40**
